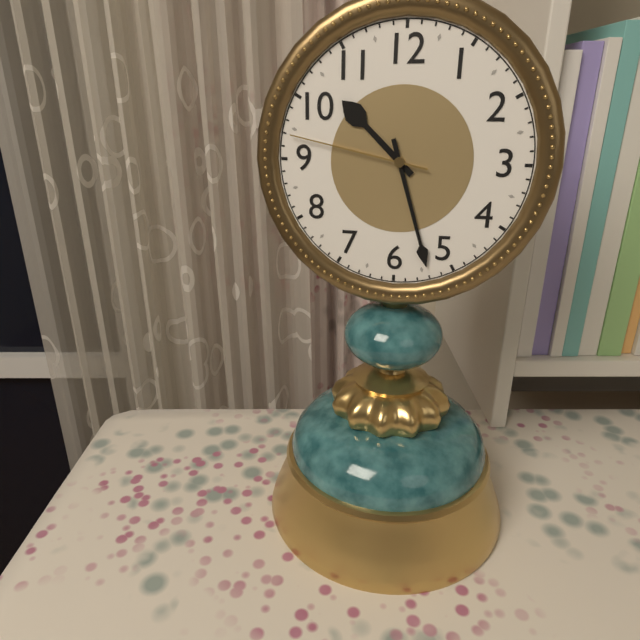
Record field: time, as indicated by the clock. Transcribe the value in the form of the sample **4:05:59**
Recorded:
**10:27:47**
